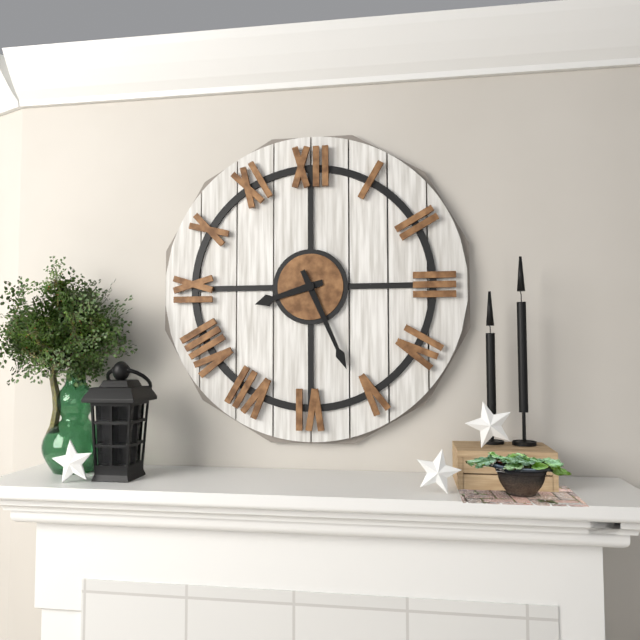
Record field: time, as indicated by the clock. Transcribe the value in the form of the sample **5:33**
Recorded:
**8:26**
